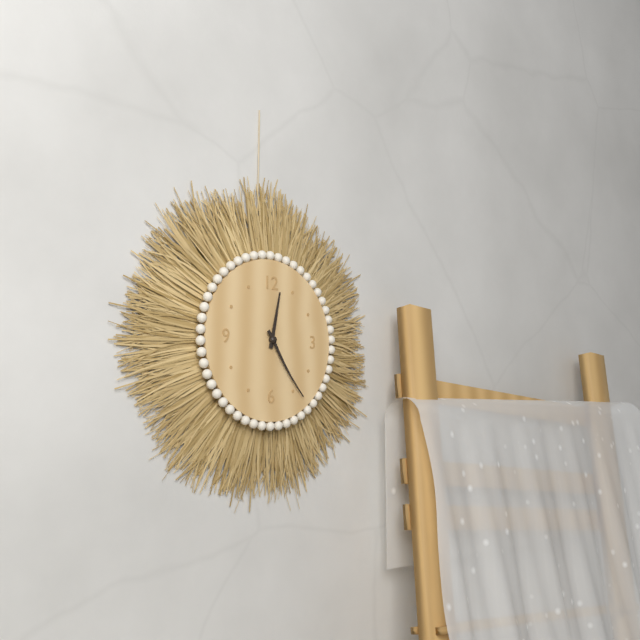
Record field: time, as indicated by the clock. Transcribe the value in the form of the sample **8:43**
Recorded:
**12:24**
